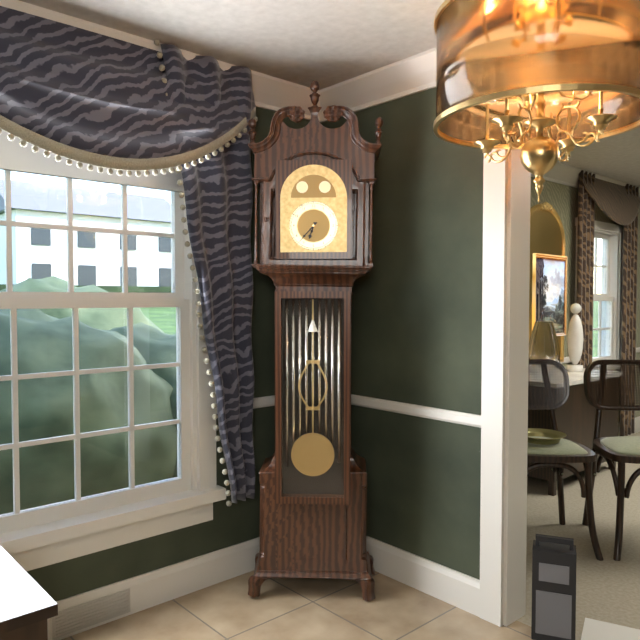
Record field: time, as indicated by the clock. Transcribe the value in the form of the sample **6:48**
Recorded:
**6:37**
